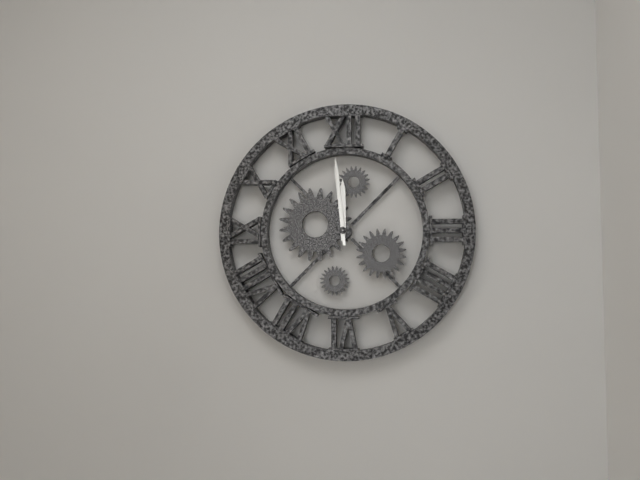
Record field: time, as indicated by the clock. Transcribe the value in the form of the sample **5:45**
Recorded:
**11:59**
